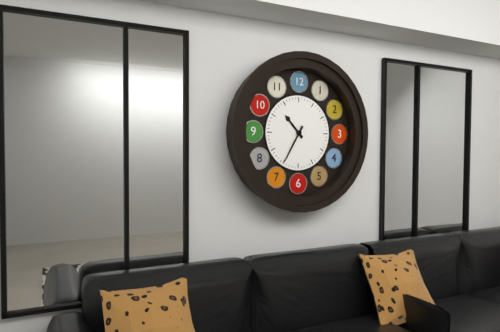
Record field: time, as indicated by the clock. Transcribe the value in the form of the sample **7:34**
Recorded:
**10:35**
